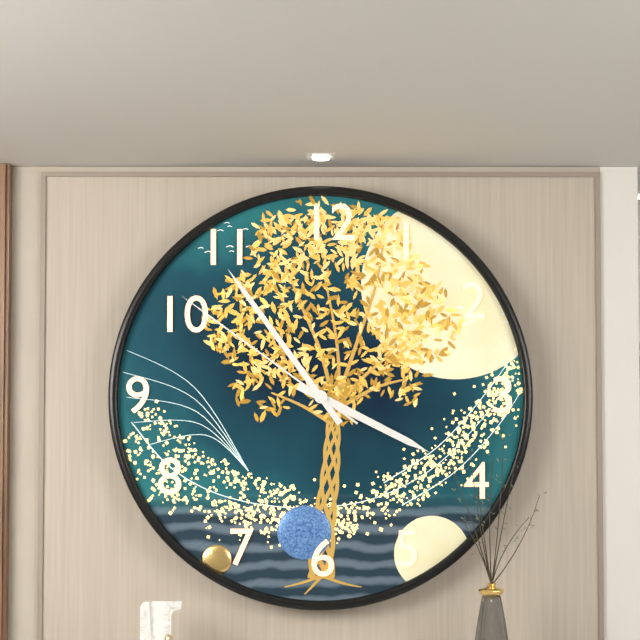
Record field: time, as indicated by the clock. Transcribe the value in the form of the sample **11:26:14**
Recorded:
**3:54:51**
